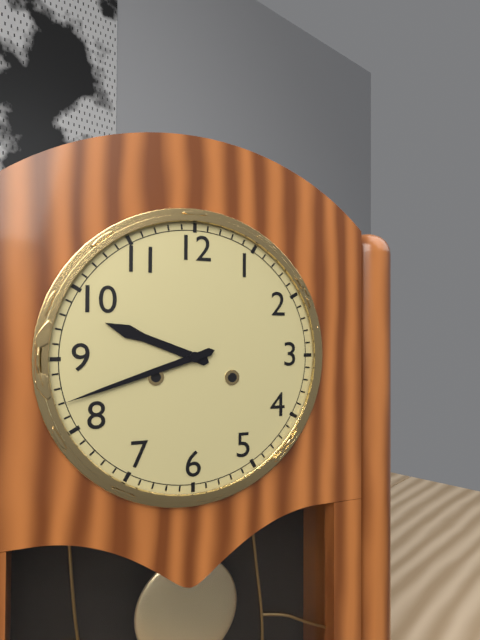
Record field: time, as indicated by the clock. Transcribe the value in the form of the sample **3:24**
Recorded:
**9:42**
